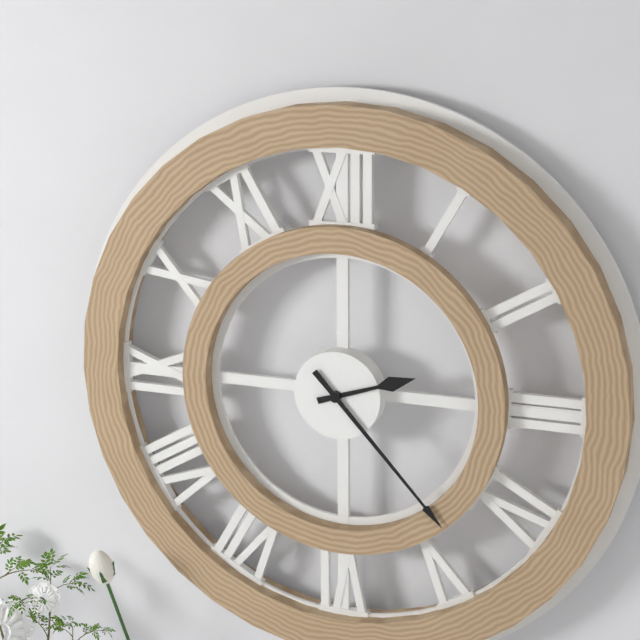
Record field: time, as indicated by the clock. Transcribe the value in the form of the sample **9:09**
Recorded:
**2:23**
